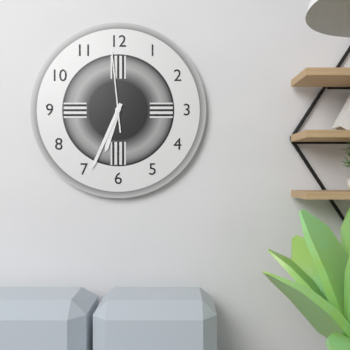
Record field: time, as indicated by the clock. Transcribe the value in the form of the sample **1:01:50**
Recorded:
**6:34:59**
